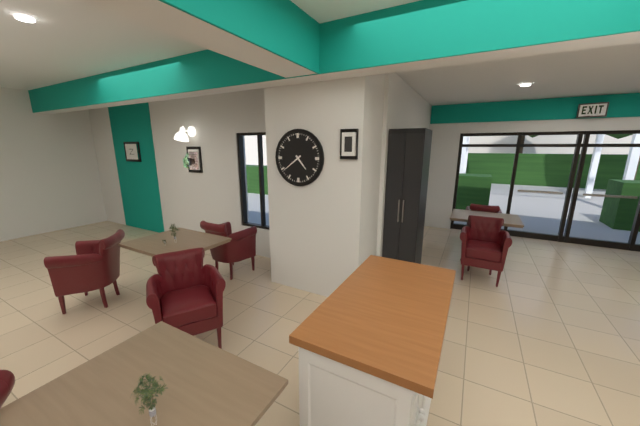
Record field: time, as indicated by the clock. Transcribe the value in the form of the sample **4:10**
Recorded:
**4:39**
